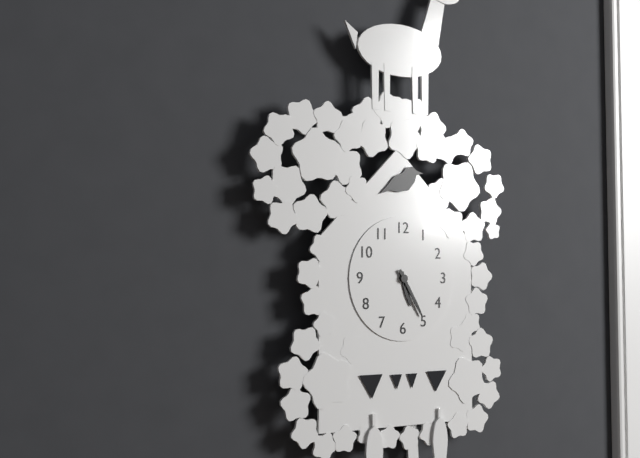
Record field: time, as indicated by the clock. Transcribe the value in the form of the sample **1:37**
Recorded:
**5:25**
